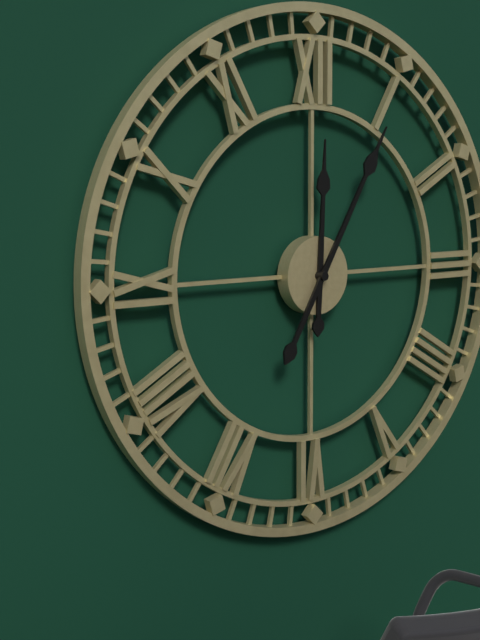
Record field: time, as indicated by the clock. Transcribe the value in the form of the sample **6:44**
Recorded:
**12:05**
